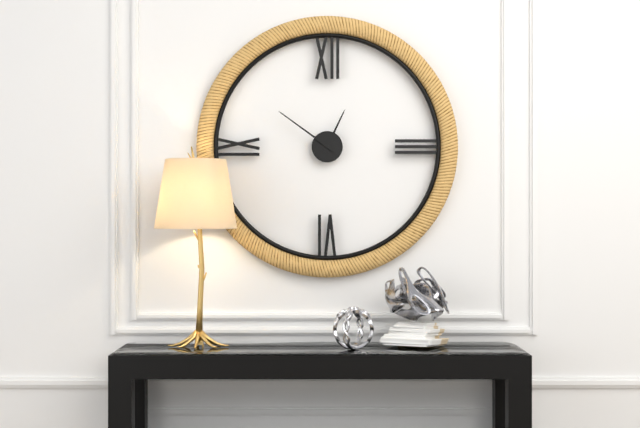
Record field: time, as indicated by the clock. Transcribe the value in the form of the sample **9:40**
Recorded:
**12:51**
